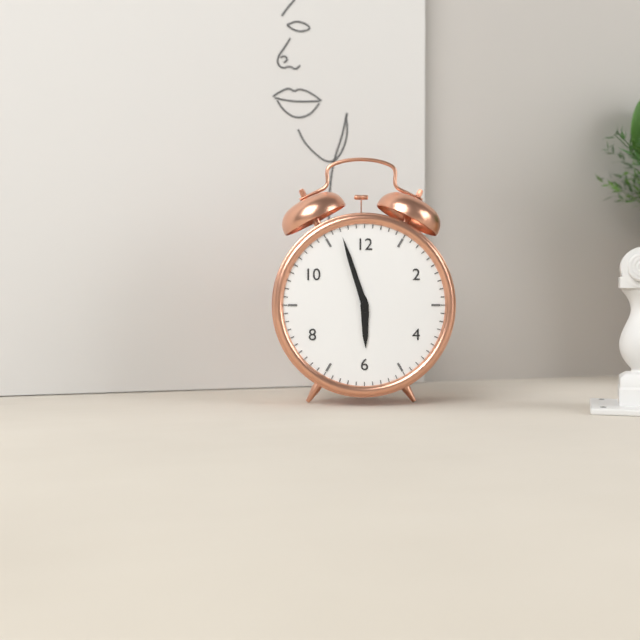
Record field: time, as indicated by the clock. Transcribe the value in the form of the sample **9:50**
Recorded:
**5:57**
